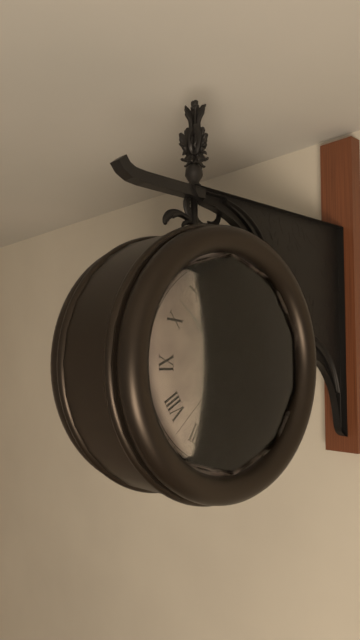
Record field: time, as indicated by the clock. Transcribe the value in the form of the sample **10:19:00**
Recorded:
**11:52:38**
